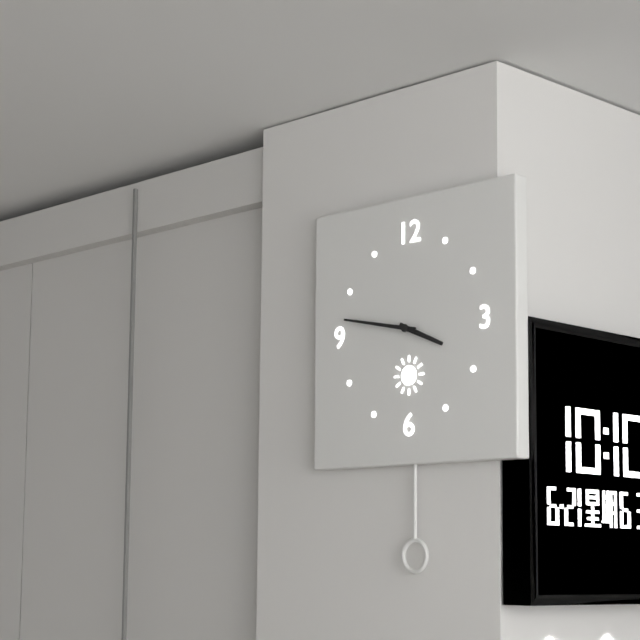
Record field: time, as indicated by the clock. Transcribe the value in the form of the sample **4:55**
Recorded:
**3:47**
